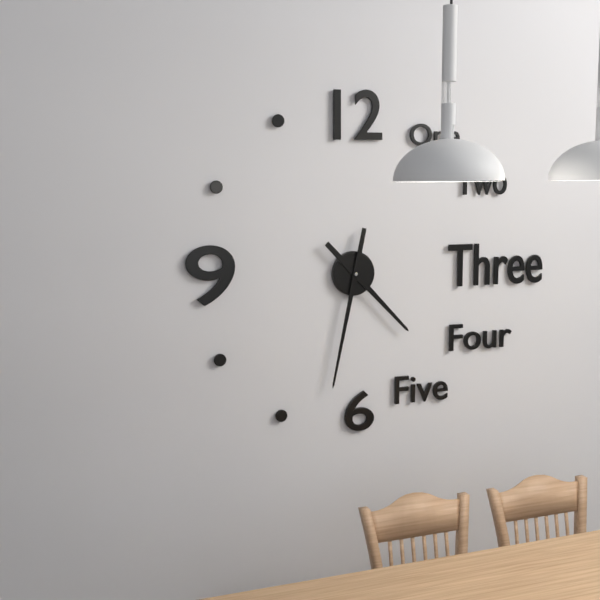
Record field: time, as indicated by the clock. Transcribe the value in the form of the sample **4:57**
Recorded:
**4:32**
